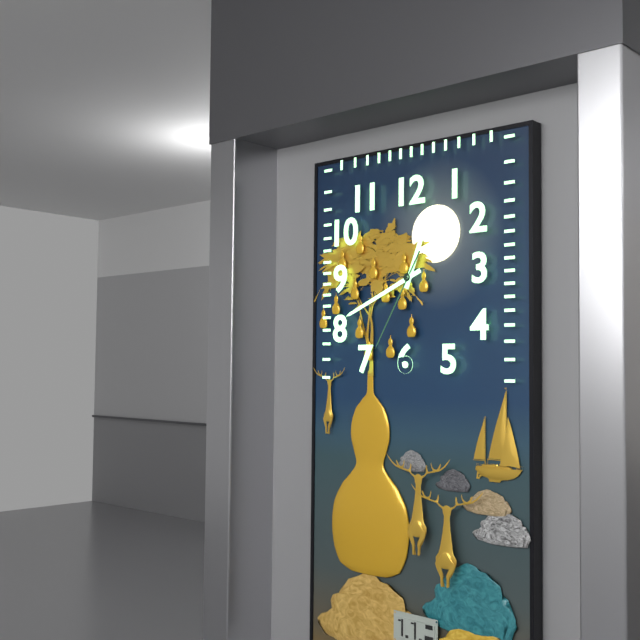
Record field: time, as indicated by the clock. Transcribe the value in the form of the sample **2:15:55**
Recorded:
**12:41:35**
